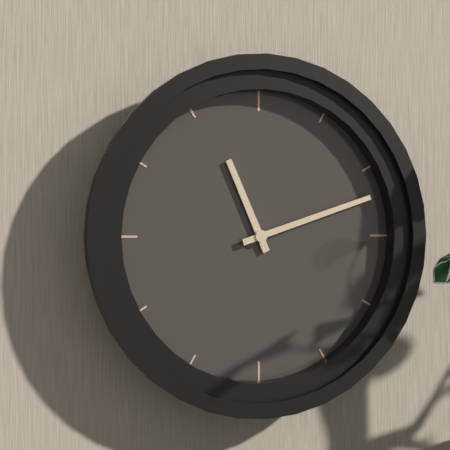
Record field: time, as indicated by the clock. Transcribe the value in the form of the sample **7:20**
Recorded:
**11:12**
